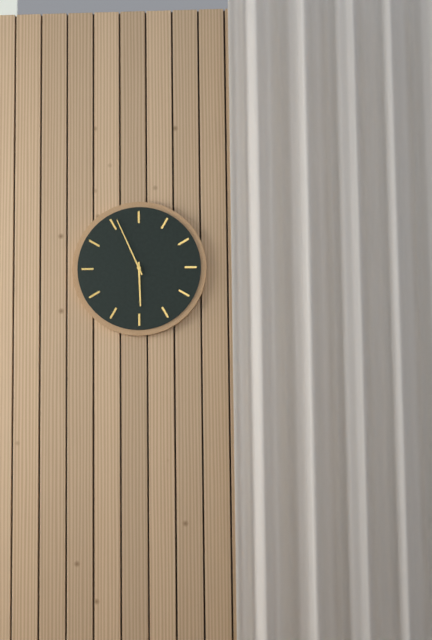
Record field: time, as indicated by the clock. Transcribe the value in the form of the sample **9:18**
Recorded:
**5:56**
